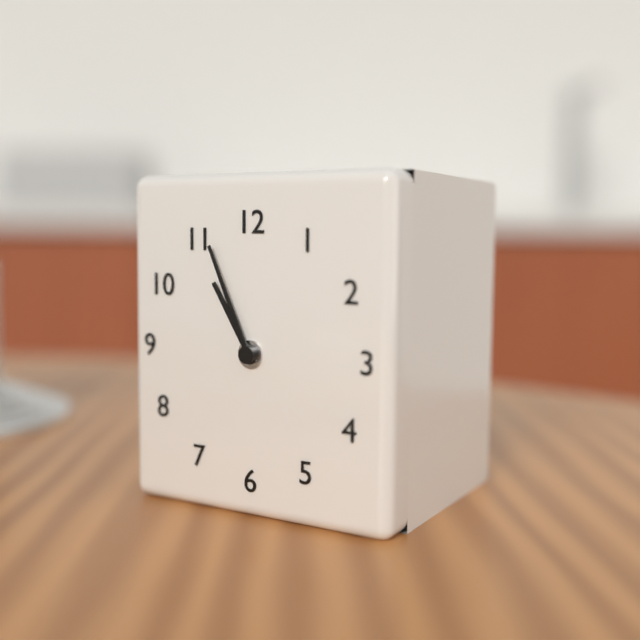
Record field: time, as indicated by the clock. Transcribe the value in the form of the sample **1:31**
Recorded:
**10:56**
